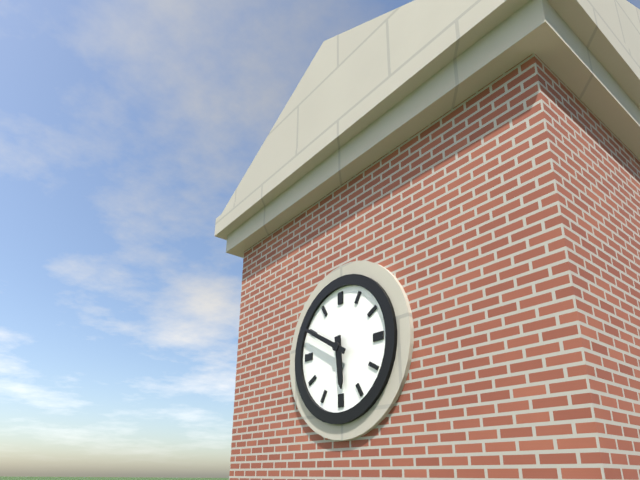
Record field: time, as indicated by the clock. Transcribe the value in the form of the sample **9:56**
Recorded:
**5:50**
